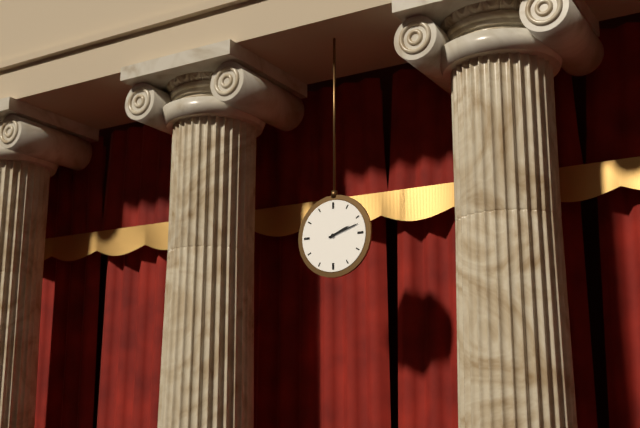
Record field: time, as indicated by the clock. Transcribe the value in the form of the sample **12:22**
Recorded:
**2:12**
